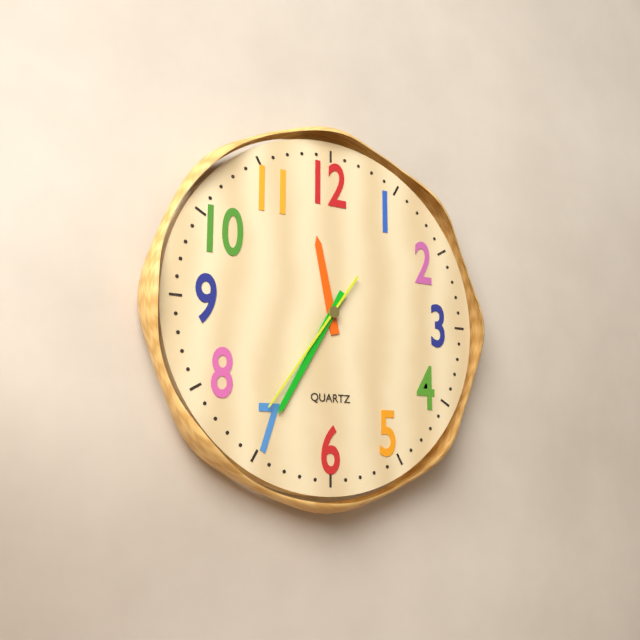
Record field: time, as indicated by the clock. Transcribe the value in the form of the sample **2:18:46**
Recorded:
**11:35:36**
